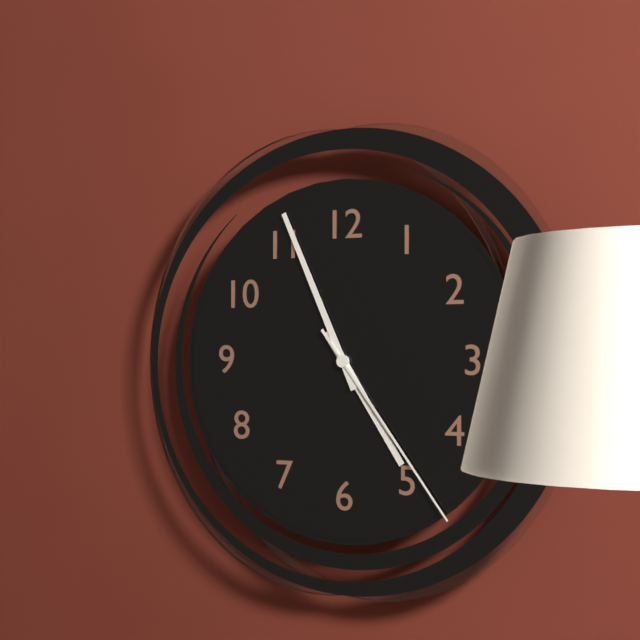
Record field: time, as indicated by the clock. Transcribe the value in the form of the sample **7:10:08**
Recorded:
**4:56:24**
